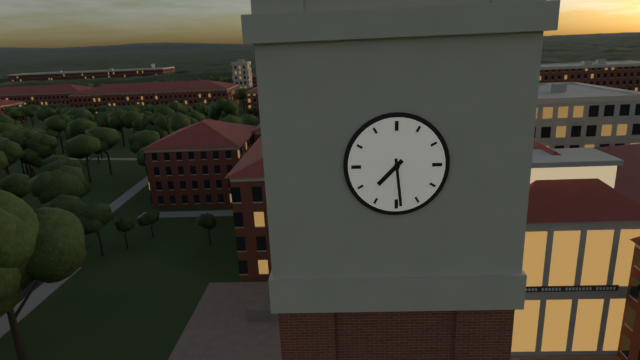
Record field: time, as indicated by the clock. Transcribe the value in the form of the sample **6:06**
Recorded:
**7:29**
